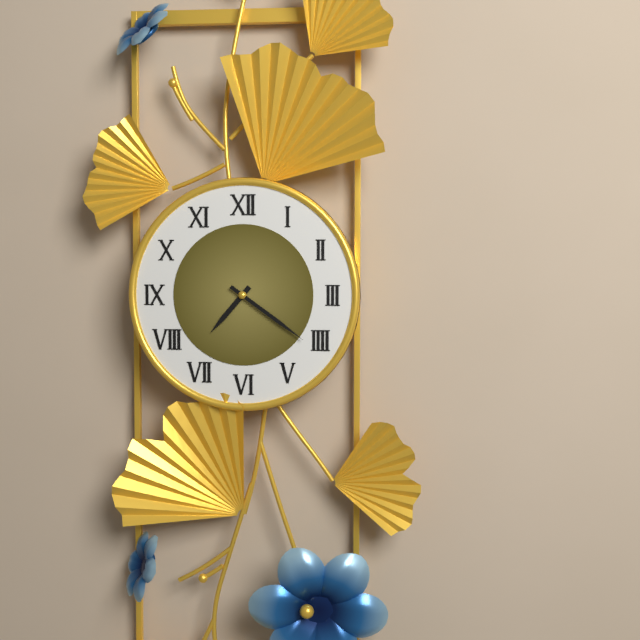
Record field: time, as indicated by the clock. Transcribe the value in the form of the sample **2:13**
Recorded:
**7:21**
